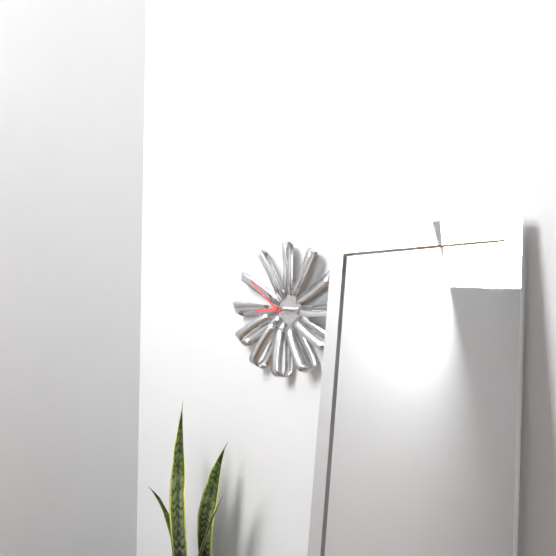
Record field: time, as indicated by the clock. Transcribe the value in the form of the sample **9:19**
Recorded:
**8:52**
